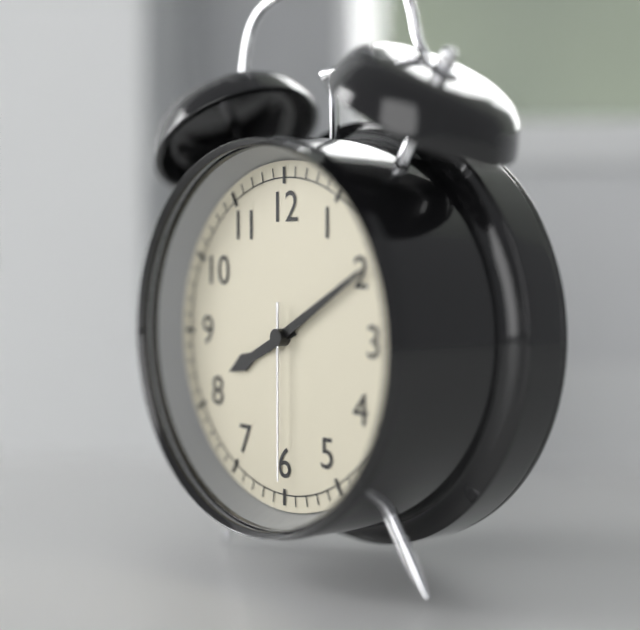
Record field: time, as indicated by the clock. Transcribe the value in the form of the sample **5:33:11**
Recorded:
**8:10:30**
